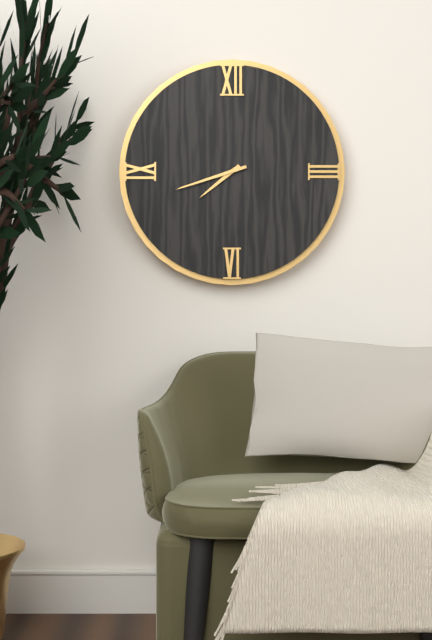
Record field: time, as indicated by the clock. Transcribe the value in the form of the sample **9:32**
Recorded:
**7:42**
